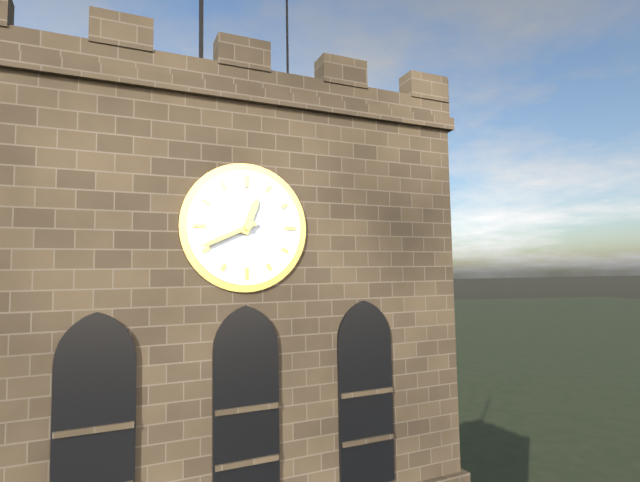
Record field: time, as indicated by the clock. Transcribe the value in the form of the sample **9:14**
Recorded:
**12:41**
